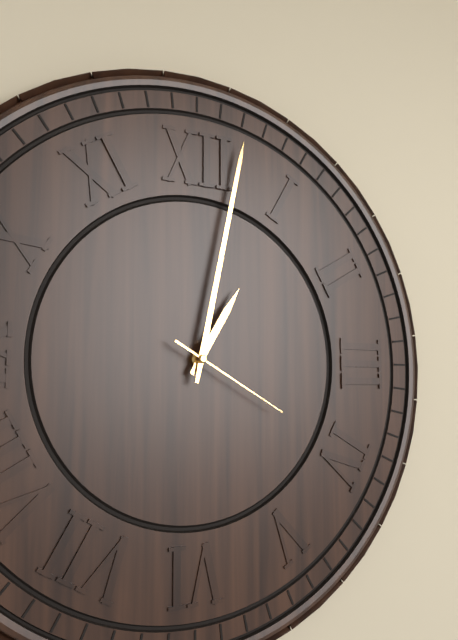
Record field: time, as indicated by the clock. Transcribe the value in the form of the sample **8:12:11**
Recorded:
**1:02:20**
